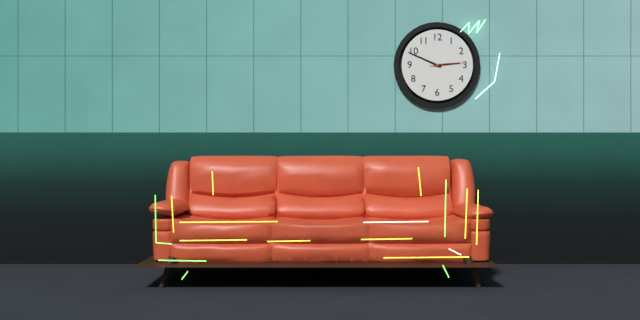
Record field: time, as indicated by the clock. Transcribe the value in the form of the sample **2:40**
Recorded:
**2:49**
